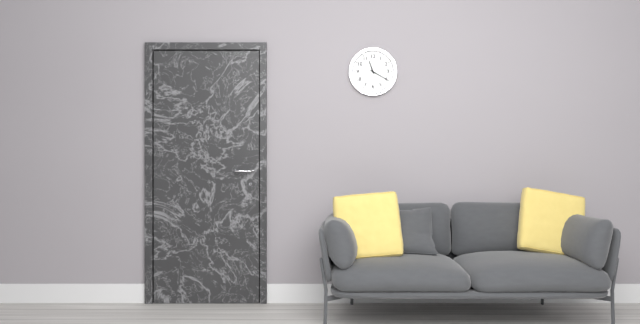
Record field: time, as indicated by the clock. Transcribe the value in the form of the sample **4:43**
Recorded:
**11:20**
